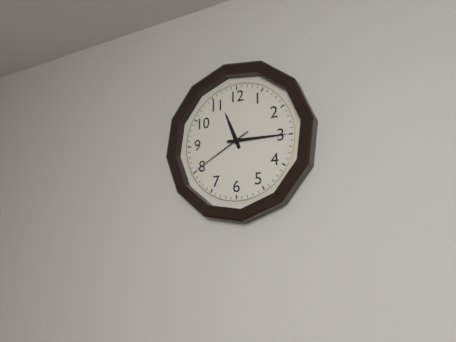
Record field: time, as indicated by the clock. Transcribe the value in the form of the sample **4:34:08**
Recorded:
**11:15:40**
